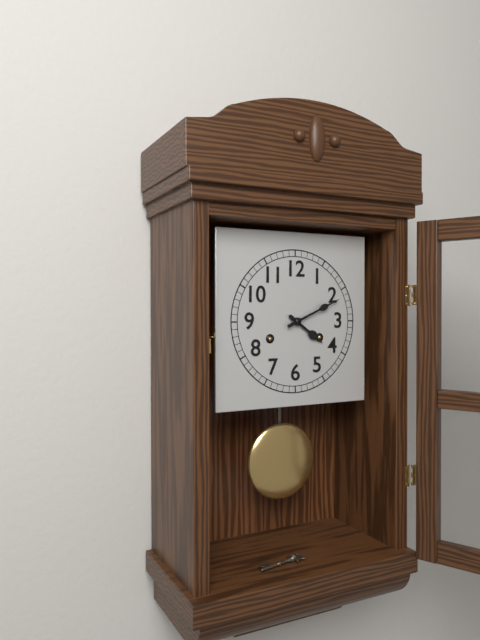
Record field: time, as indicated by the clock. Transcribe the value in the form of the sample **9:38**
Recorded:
**4:11**
